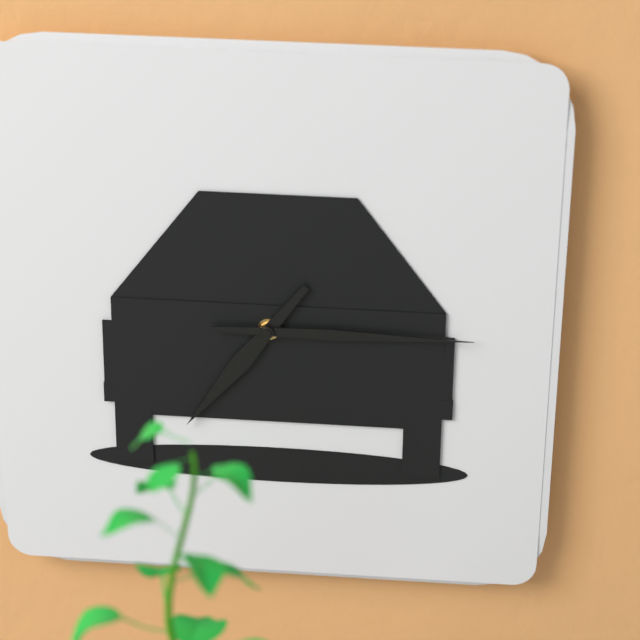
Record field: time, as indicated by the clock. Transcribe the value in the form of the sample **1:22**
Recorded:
**7:15**
